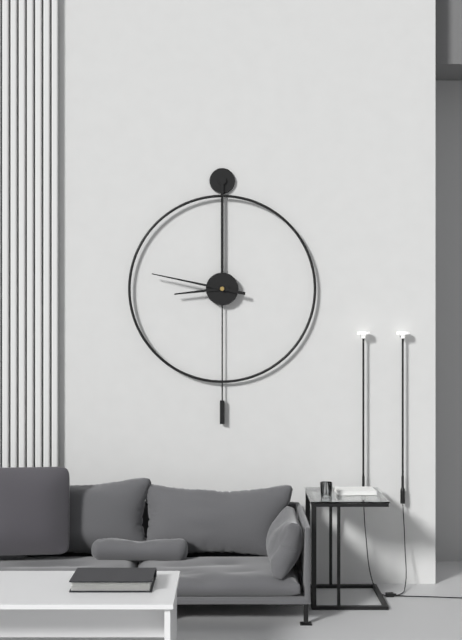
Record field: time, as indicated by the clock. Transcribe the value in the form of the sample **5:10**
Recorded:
**8:47**
